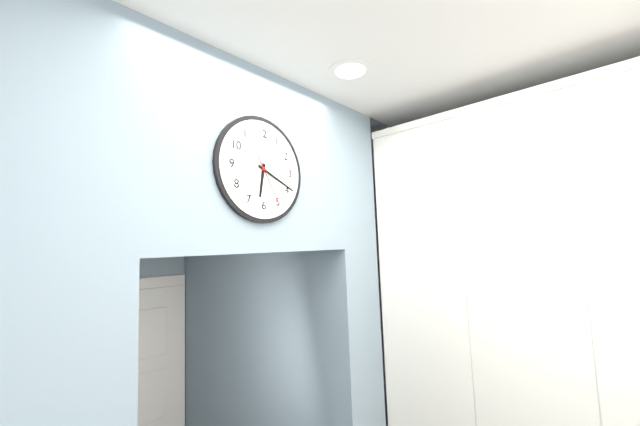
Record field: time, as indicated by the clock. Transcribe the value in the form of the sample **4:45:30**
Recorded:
**6:19:25**
